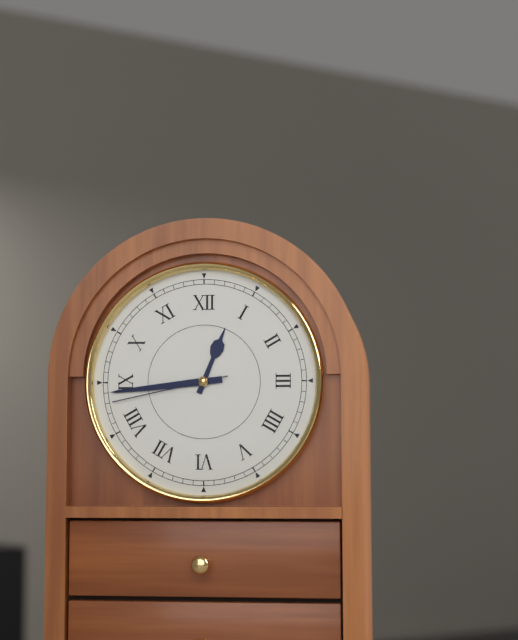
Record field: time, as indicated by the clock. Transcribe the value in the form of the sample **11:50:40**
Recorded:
**12:44:43**
